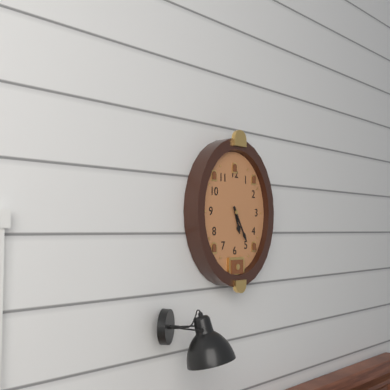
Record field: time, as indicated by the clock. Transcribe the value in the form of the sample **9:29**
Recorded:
**5:25**
